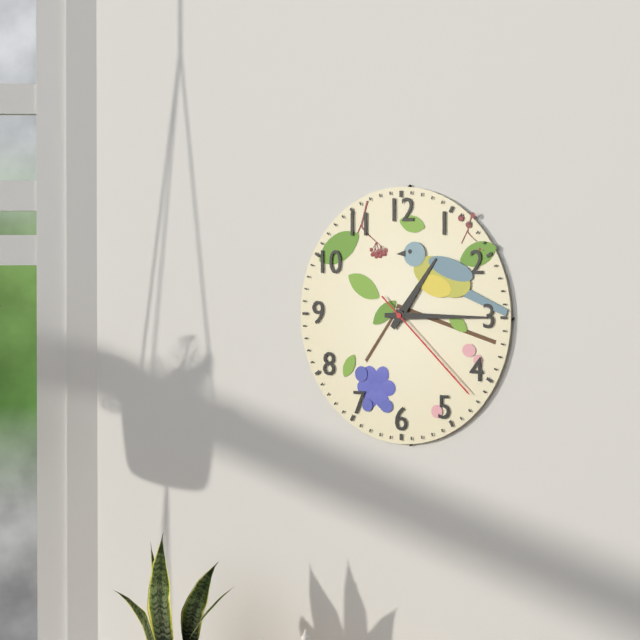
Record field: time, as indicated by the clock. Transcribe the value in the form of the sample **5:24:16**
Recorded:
**1:15:22**
